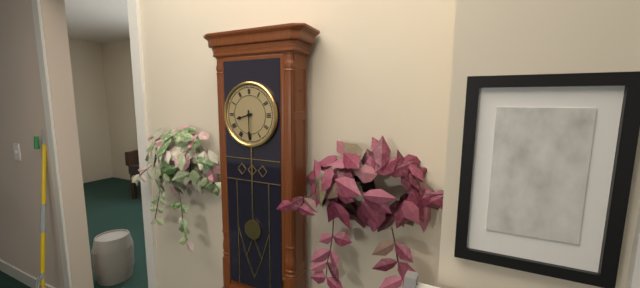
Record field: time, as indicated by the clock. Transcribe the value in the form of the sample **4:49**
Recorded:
**8:30**
